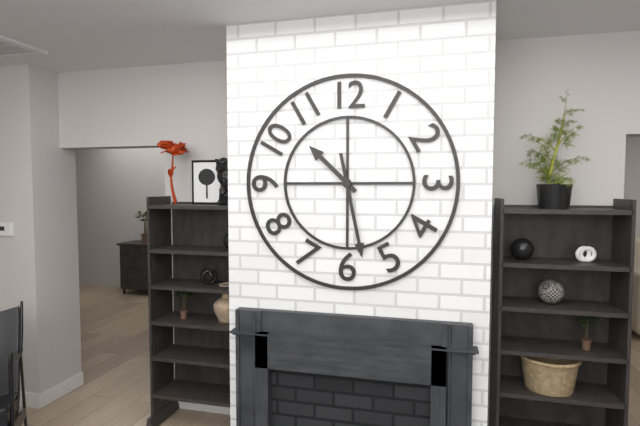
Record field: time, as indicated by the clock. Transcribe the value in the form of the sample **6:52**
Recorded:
**10:28**
